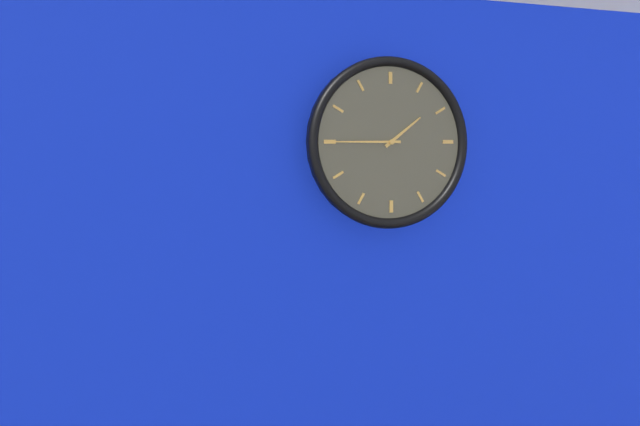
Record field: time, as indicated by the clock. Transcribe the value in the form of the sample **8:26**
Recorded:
**1:45**
